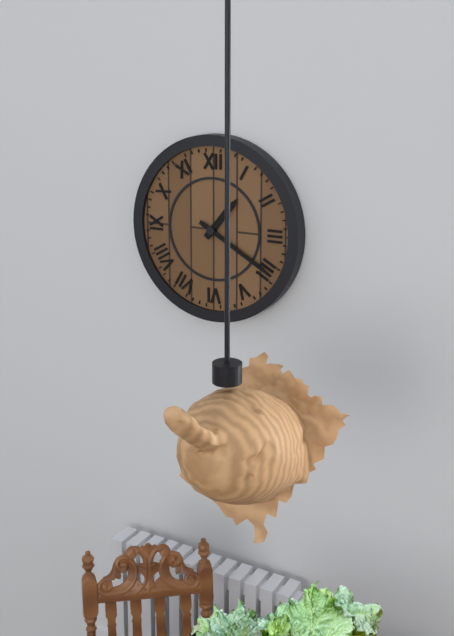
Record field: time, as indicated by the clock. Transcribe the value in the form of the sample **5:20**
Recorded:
**1:20**
